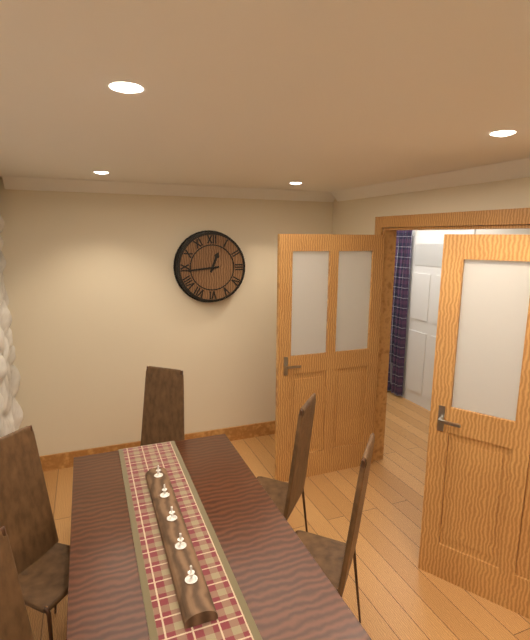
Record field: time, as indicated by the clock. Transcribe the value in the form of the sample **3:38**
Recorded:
**12:44**
